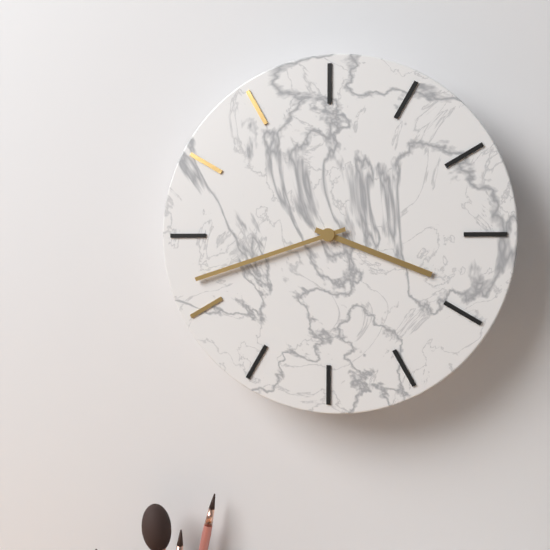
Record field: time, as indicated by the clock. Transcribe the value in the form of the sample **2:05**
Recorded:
**3:42**
